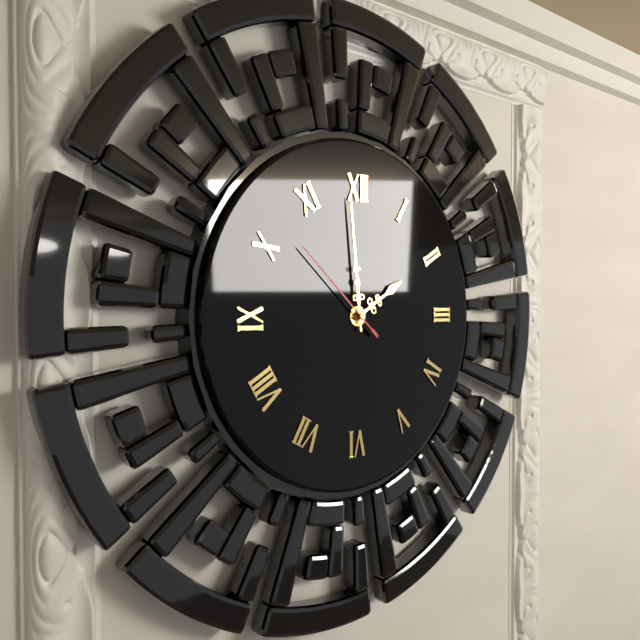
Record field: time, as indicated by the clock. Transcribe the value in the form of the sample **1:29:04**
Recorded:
**1:59:52**
